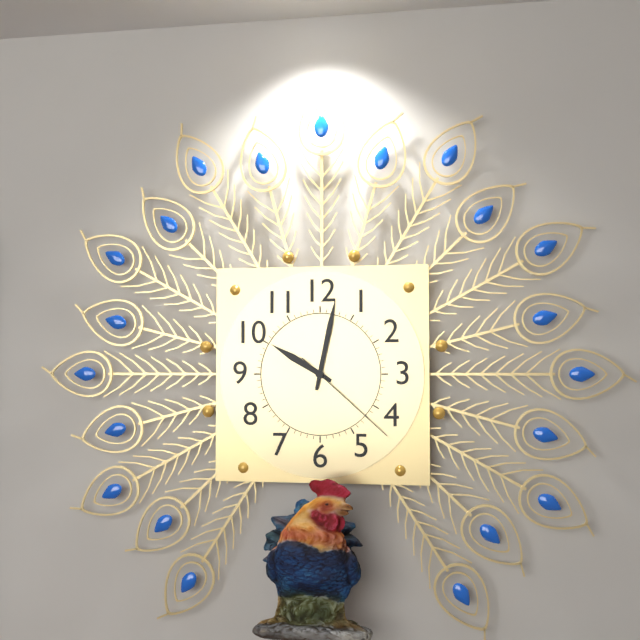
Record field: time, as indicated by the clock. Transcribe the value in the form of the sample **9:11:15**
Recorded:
**10:02:22**
